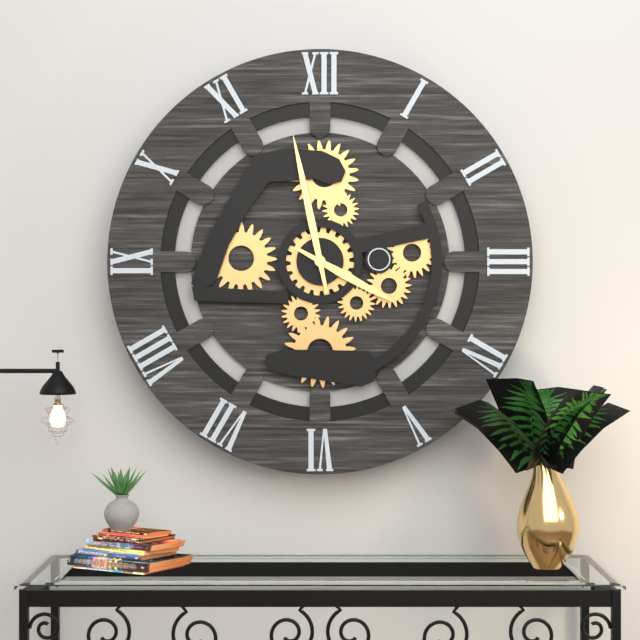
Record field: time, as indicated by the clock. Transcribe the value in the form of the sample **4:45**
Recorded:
**3:58**
